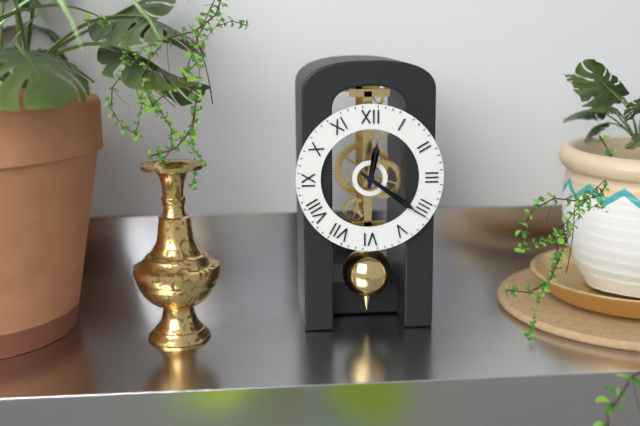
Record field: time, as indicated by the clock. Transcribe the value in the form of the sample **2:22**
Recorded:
**12:21**
